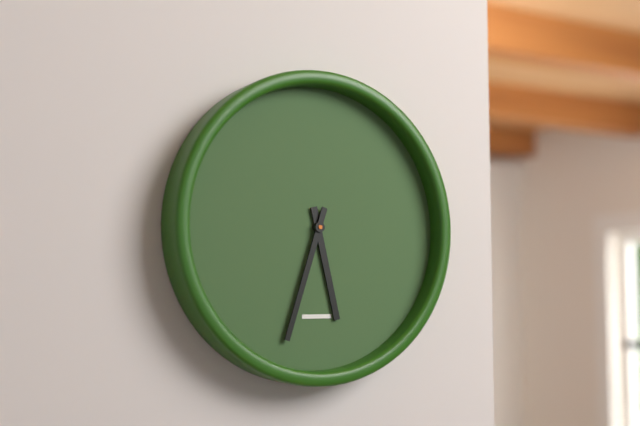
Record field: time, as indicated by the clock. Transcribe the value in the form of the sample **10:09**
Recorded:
**5:33**
